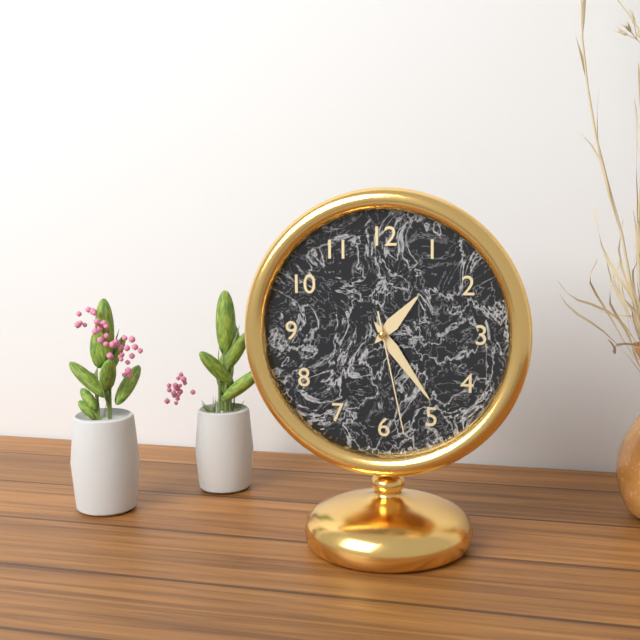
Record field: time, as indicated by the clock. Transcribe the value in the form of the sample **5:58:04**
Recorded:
**1:24:28**
